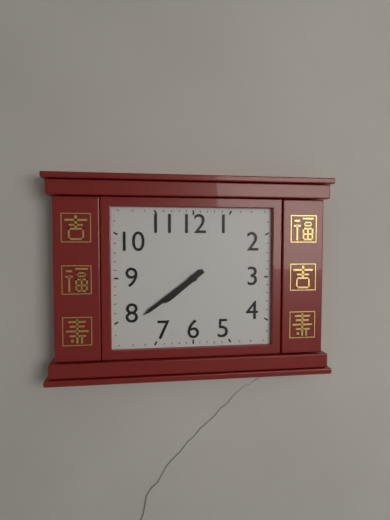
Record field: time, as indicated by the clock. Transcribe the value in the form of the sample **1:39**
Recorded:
**7:39**
